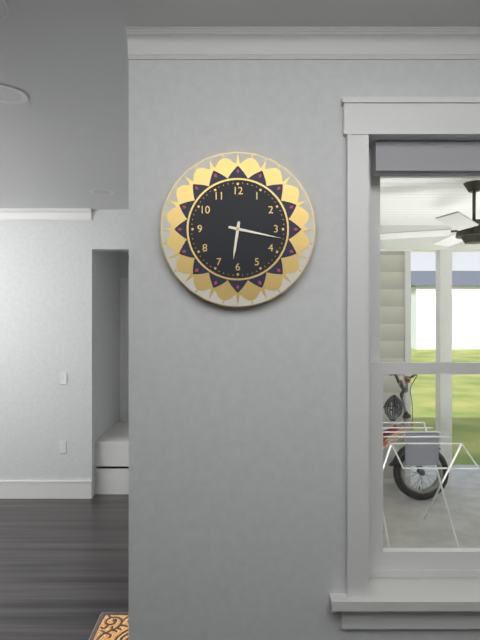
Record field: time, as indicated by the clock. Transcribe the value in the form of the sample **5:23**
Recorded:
**6:17**
